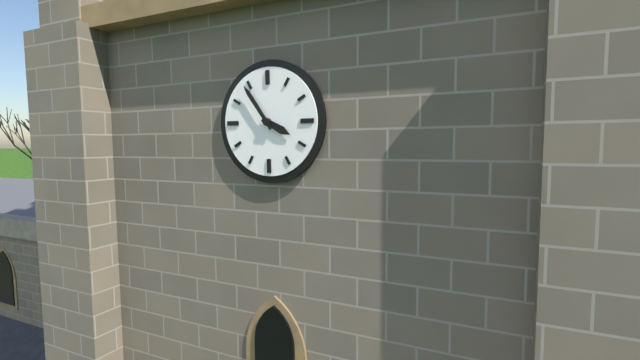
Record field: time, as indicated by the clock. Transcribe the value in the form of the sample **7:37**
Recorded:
**3:54**
